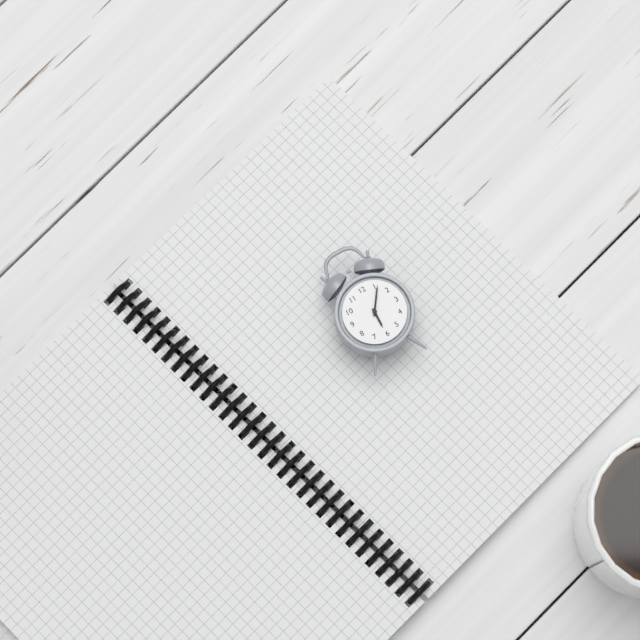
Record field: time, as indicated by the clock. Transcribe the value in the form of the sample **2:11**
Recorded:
**6:06**
